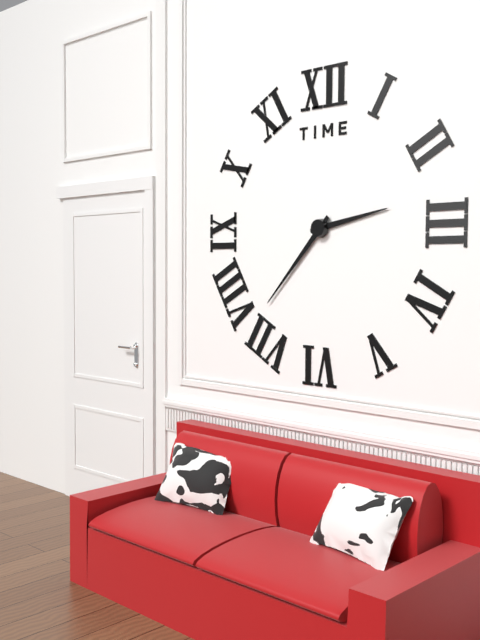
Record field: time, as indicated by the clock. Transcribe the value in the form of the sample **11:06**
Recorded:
**2:37**
